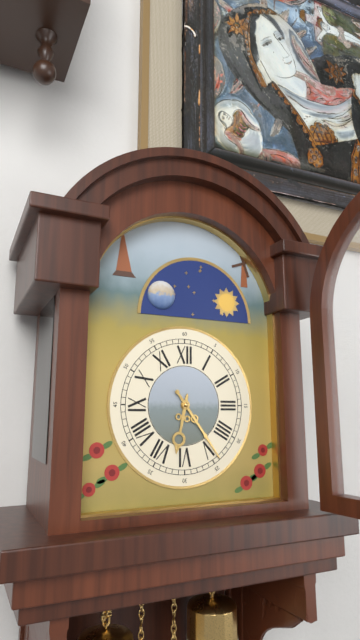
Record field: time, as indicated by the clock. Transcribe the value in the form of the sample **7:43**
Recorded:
**6:24**
